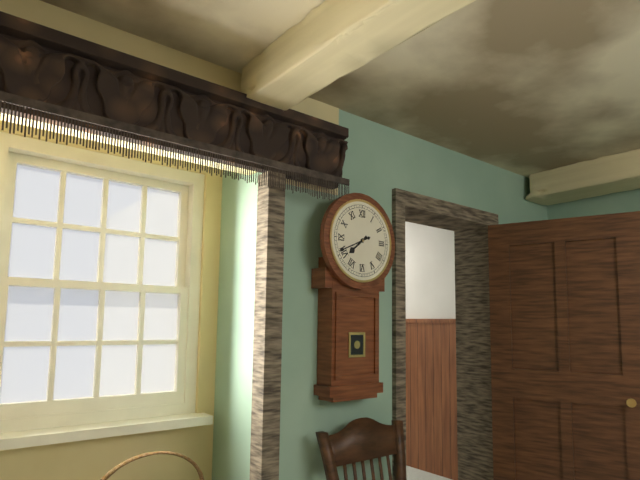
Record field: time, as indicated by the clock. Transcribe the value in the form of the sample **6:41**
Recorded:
**7:41**
